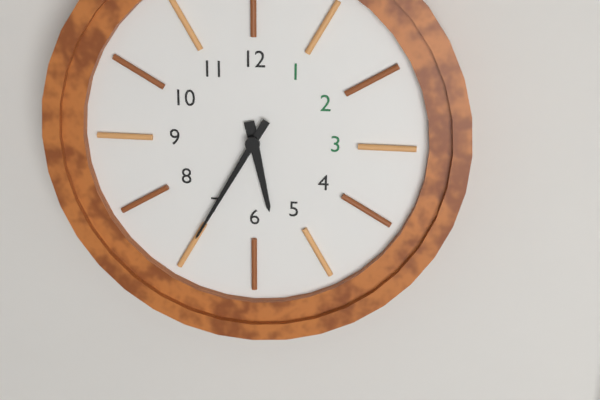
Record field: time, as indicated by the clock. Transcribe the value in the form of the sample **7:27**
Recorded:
**5:35**
